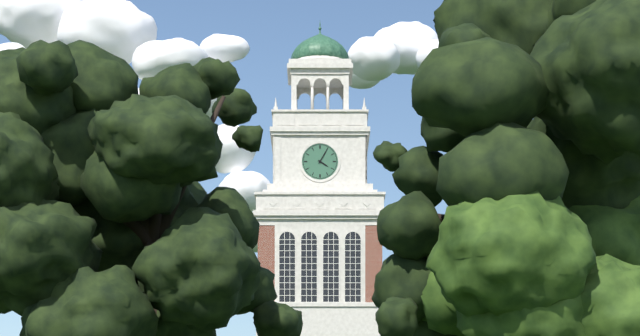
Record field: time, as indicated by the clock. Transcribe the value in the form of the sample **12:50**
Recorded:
**4:05**
